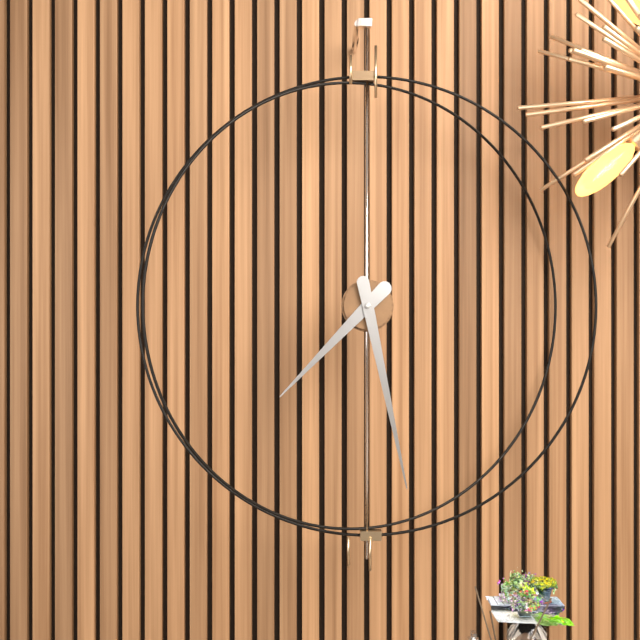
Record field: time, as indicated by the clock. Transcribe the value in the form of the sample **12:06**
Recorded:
**7:28**
